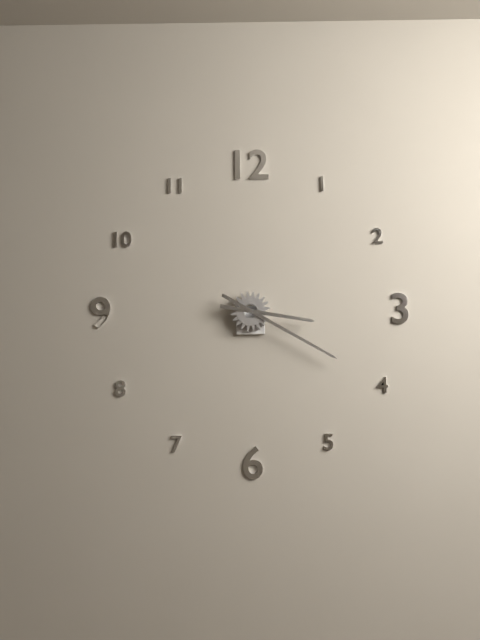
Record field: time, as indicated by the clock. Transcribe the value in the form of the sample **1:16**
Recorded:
**3:20**
